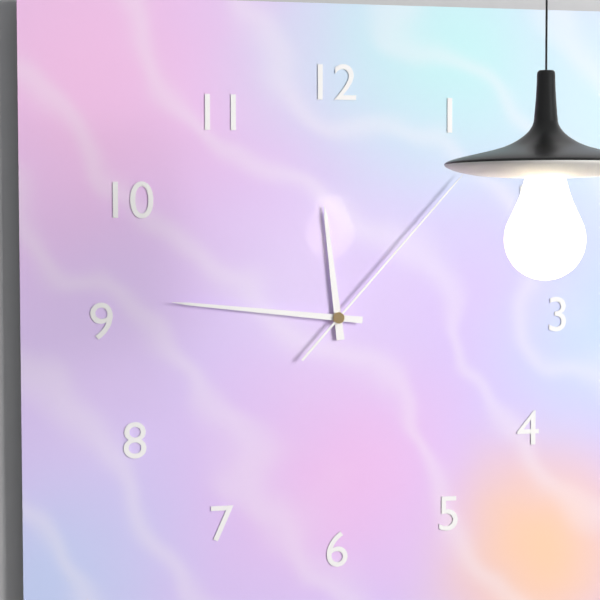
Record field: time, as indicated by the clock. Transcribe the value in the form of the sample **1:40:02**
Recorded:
**11:46:07**
